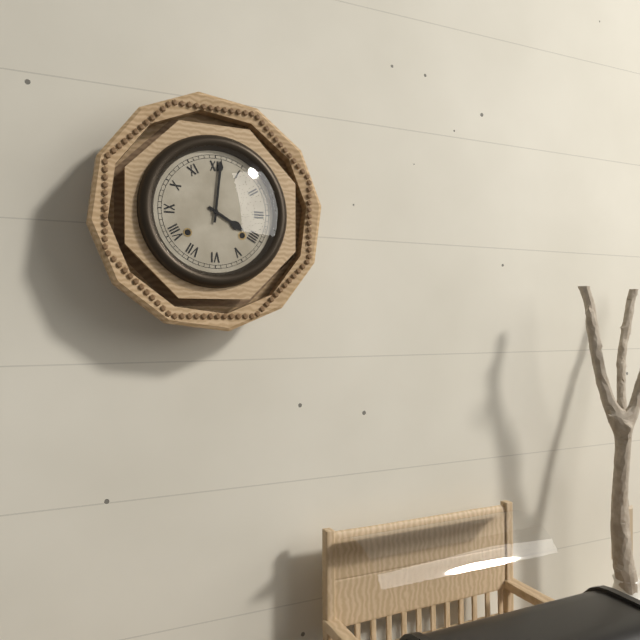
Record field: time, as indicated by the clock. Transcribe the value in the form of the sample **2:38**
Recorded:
**4:01**
